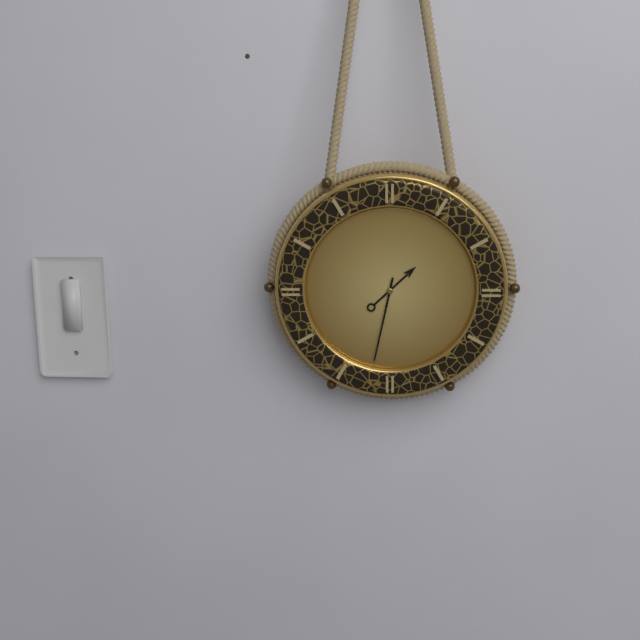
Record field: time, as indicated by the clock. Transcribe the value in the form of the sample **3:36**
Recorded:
**1:32**
